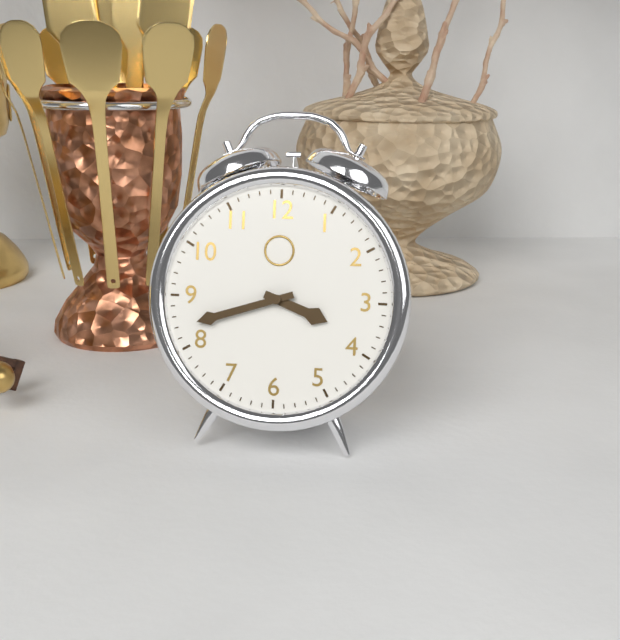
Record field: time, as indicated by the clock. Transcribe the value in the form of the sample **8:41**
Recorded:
**3:42**
